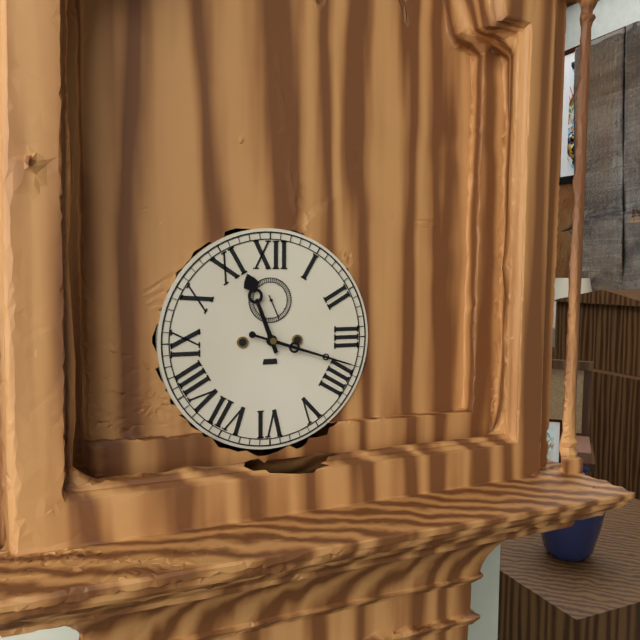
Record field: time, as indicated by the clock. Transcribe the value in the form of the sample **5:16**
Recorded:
**11:18**
